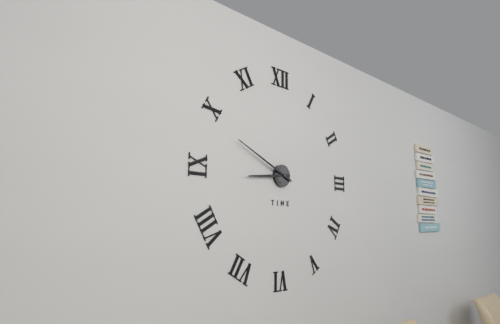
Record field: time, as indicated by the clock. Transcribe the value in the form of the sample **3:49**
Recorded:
**8:49**
